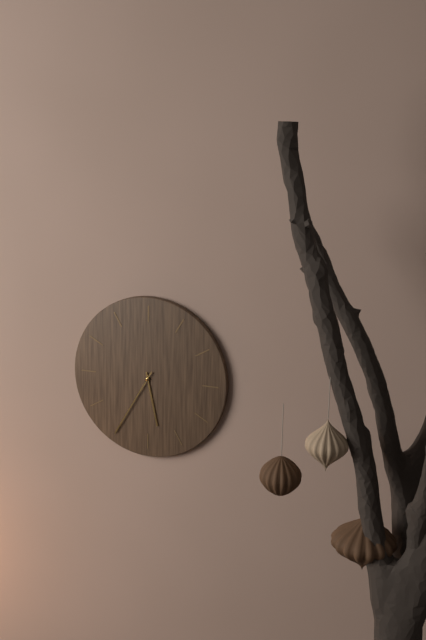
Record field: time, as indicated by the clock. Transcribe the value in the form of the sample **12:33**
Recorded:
**5:35**
